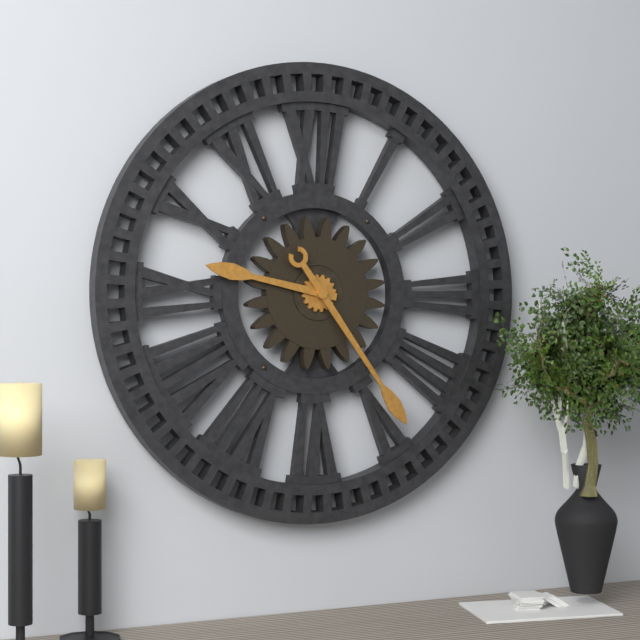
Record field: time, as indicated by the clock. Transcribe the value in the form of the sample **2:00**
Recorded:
**9:24**
